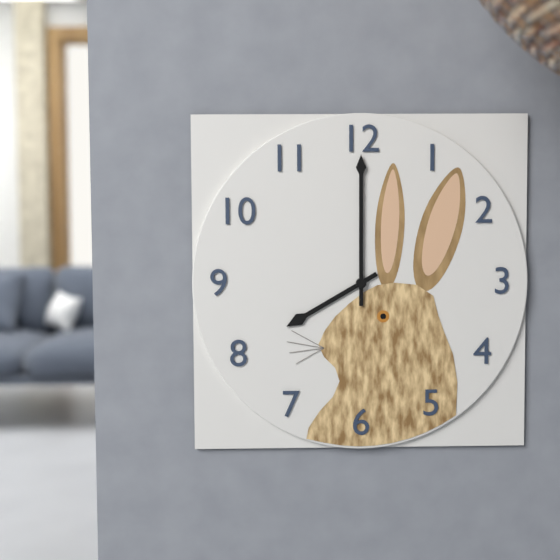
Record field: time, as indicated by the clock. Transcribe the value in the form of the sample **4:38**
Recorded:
**8:00**
